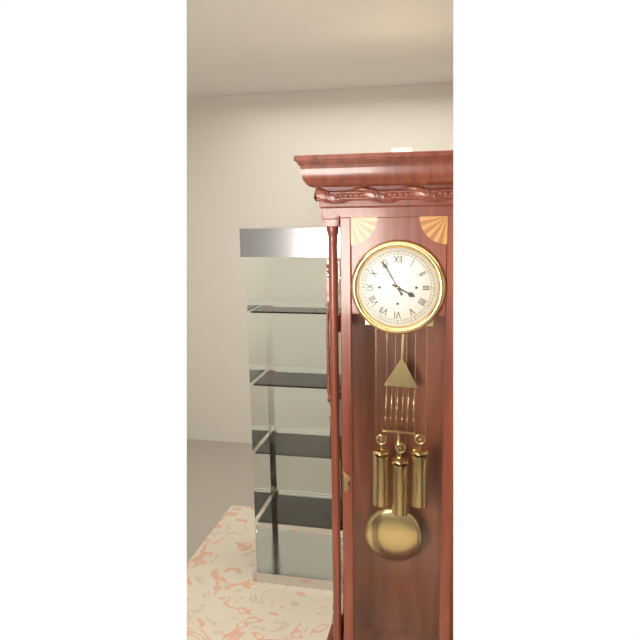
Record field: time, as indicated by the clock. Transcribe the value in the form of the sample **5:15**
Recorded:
**3:55**
